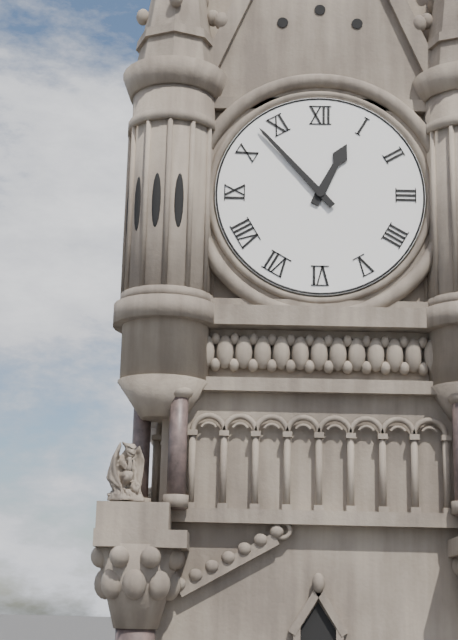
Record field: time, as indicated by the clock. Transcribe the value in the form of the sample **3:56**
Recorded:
**12:53**
